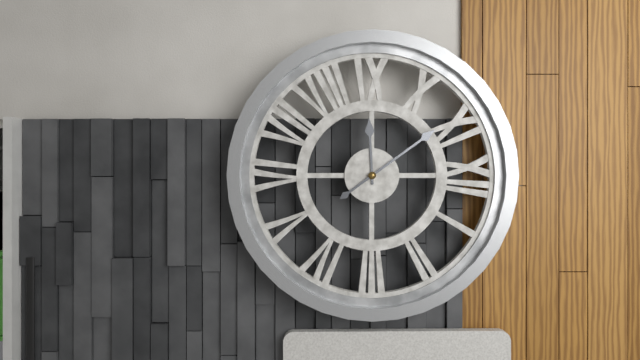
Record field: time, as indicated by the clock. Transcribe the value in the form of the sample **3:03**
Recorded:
**8:54**
